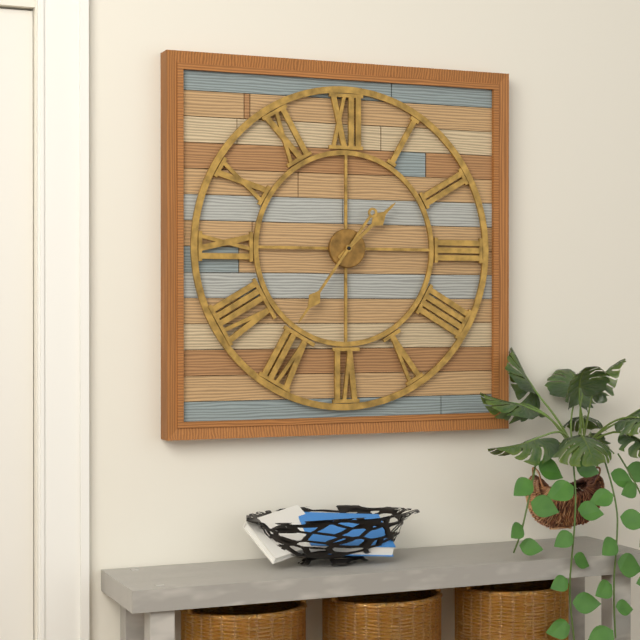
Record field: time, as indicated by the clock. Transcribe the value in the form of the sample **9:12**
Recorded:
**1:36**
